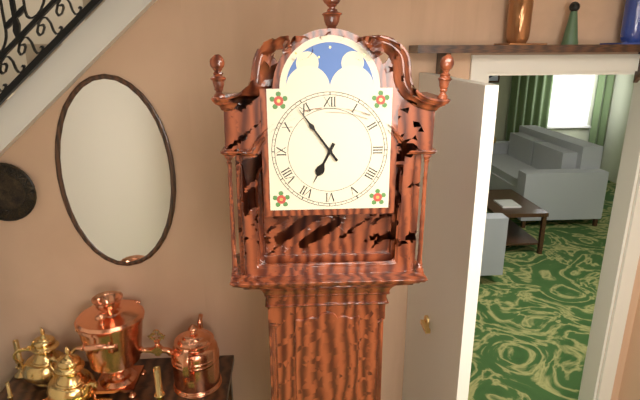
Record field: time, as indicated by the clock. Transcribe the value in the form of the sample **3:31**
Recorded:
**6:54**
